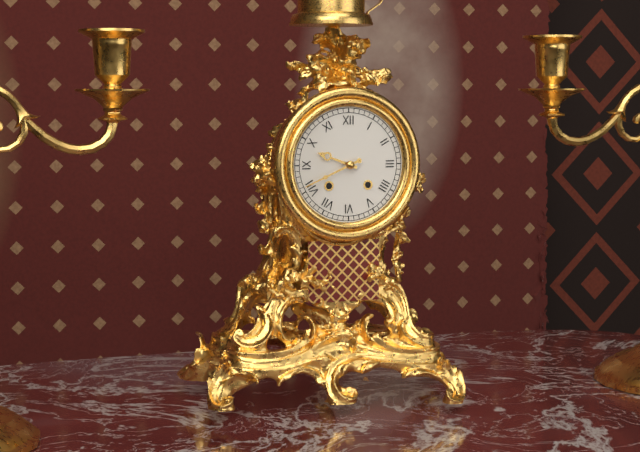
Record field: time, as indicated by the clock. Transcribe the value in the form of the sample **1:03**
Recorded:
**9:41**
